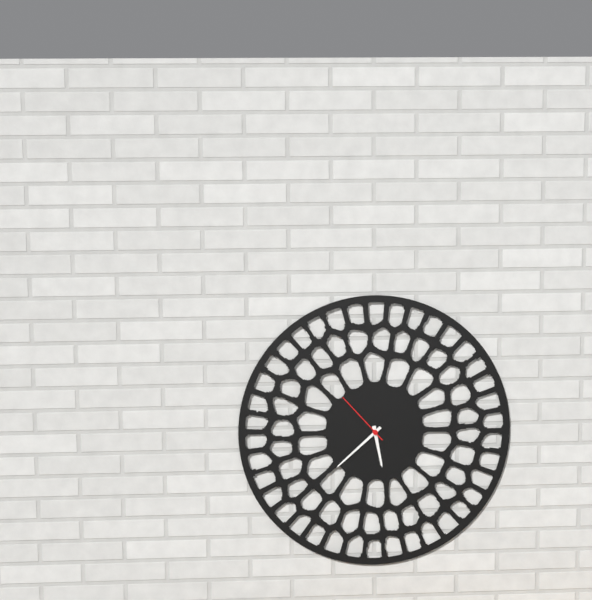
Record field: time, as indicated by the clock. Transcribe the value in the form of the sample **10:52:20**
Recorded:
**5:38:53**
